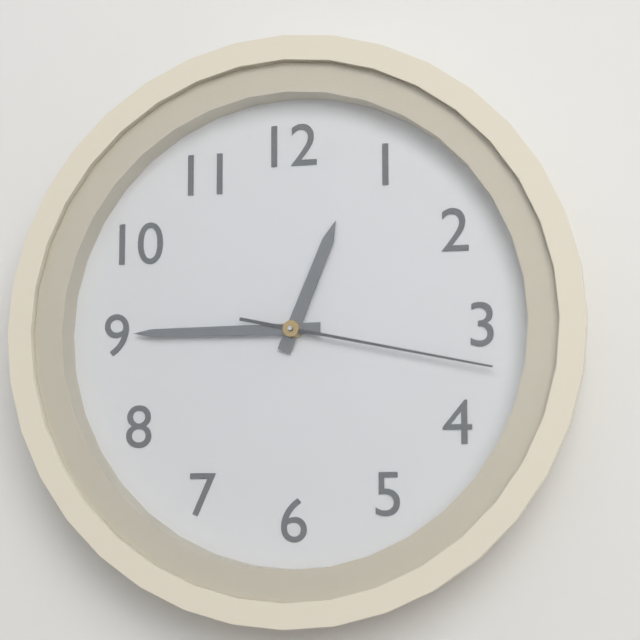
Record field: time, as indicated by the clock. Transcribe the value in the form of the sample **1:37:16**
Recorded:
**12:45:17**
